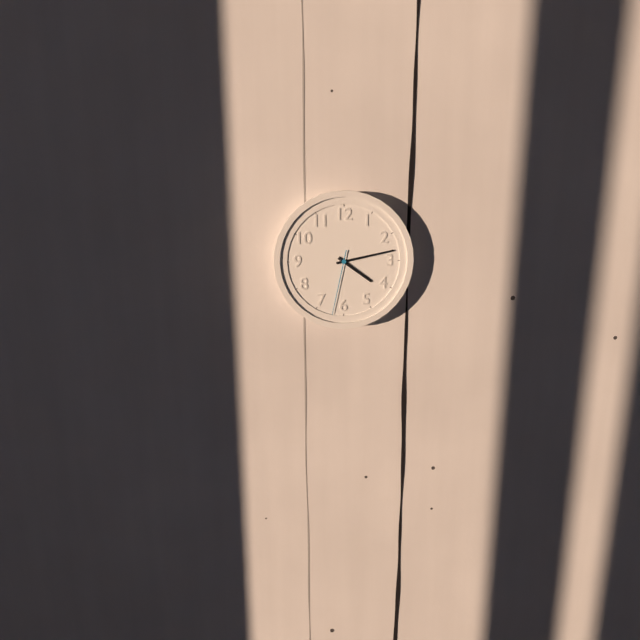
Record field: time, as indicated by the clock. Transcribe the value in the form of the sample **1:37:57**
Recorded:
**4:13:32**
